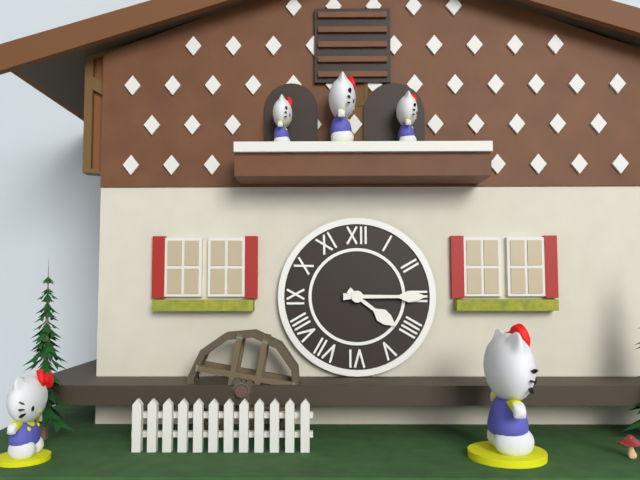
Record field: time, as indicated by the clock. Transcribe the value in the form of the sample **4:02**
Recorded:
**4:15**
